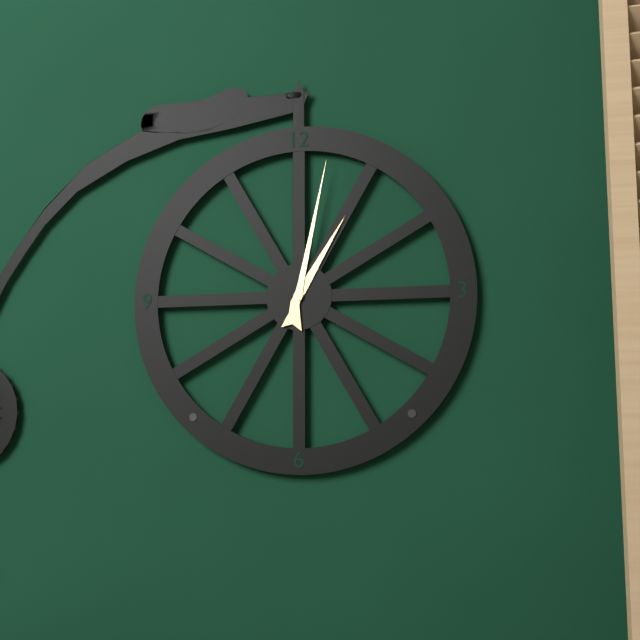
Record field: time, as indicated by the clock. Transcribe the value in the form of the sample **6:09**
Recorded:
**1:02**
